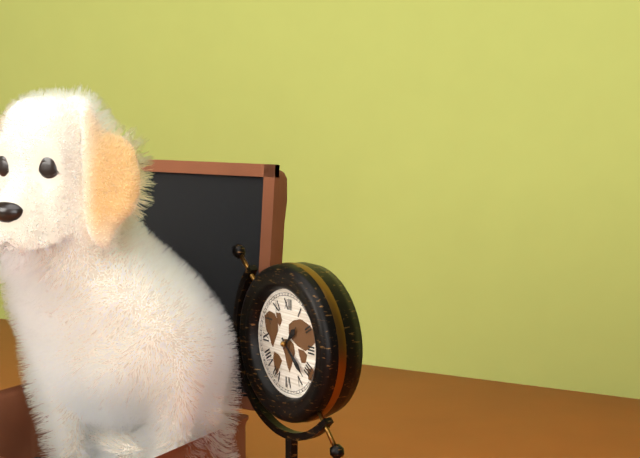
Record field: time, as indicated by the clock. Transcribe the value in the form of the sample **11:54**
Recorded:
**1:22**
